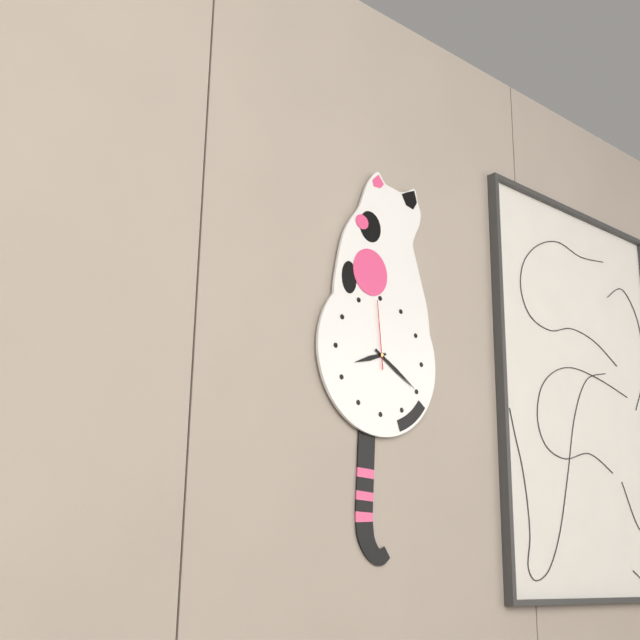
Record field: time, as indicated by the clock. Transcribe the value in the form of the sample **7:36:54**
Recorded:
**8:20:59**
